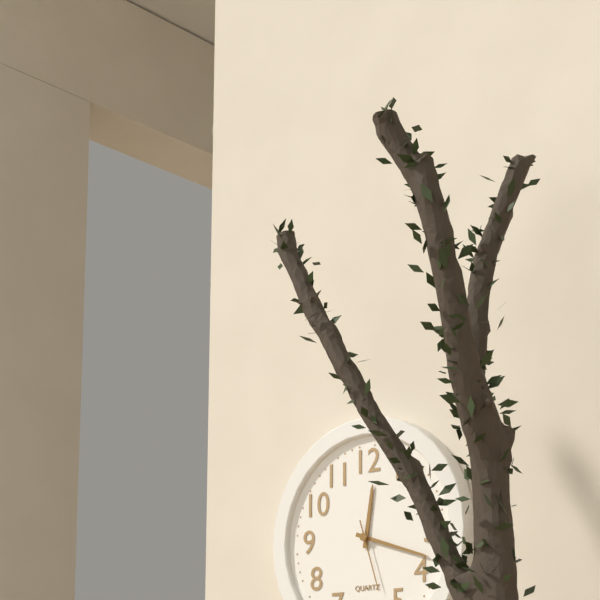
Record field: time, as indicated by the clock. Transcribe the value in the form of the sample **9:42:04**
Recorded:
**12:18:27**
